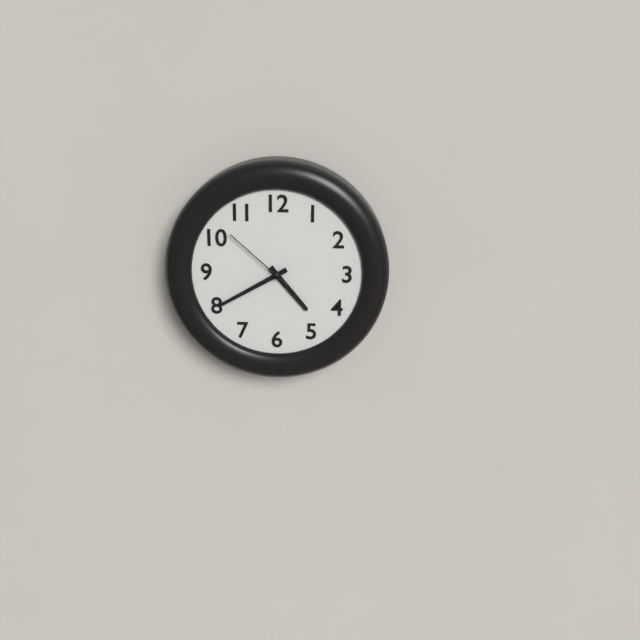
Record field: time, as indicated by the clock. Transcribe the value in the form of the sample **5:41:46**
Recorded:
**4:40:52**
